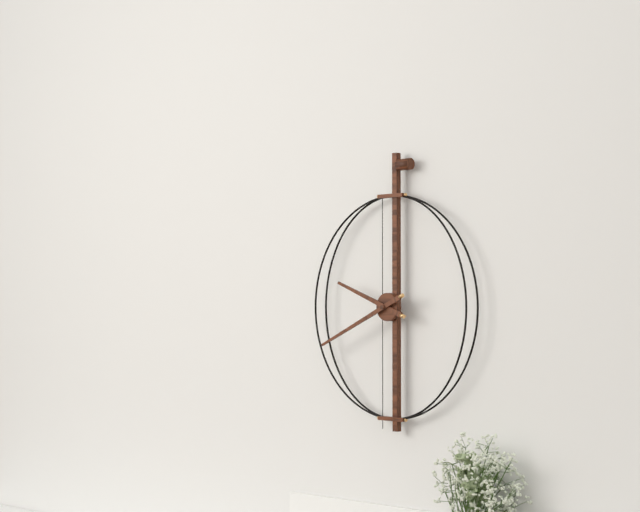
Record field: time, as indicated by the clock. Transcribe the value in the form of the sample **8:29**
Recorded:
**9:41**
